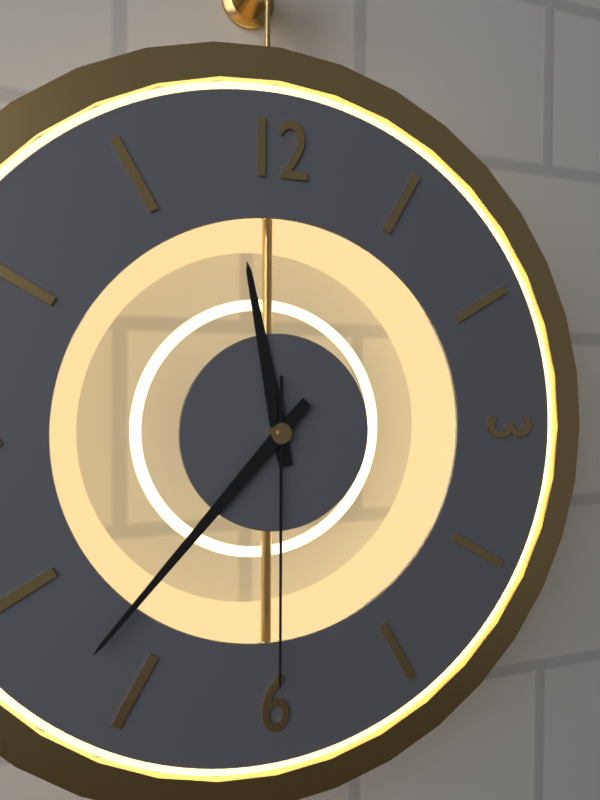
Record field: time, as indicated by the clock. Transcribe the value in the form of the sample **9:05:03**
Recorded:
**11:37:30**
